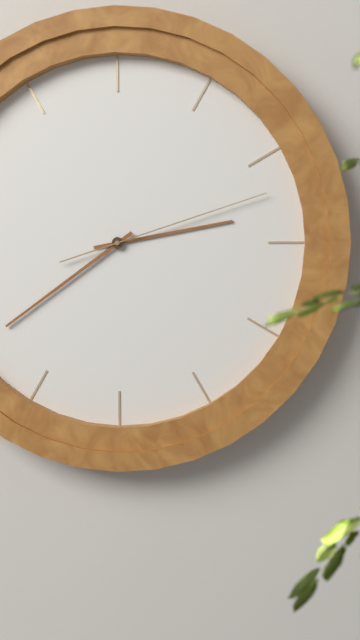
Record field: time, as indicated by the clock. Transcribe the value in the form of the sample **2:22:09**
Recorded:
**2:39:12**
